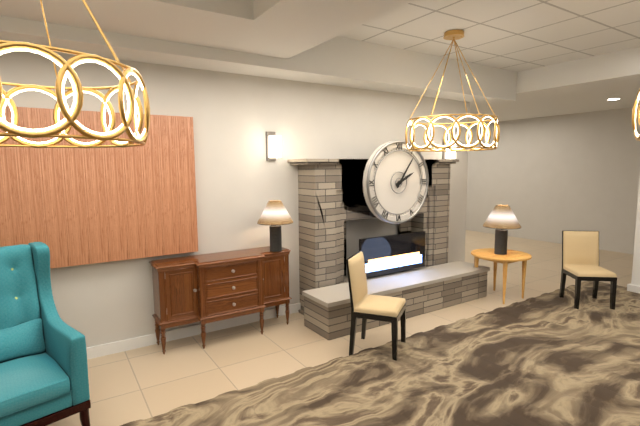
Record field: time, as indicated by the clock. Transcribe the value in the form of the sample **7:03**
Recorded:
**2:06**
